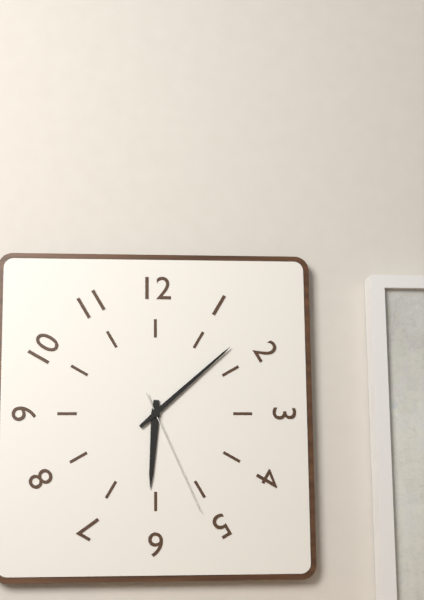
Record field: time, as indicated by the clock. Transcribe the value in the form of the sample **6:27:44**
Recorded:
**6:08:26**
